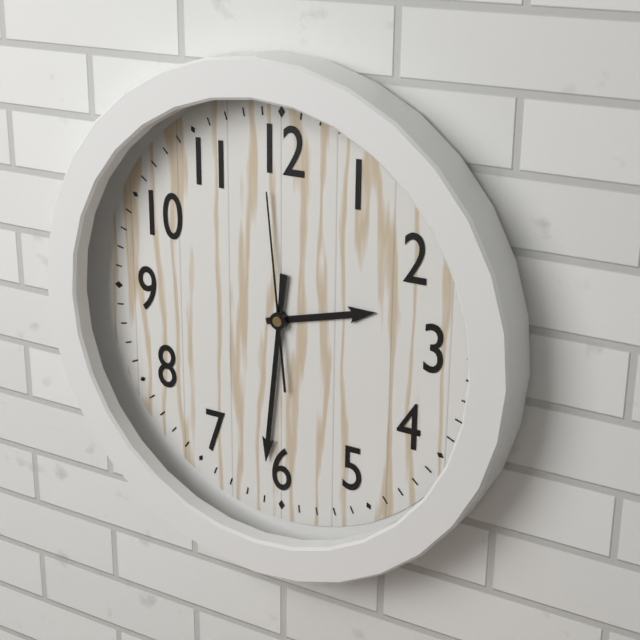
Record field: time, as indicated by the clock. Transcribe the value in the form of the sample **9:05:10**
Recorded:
**2:31:59**
